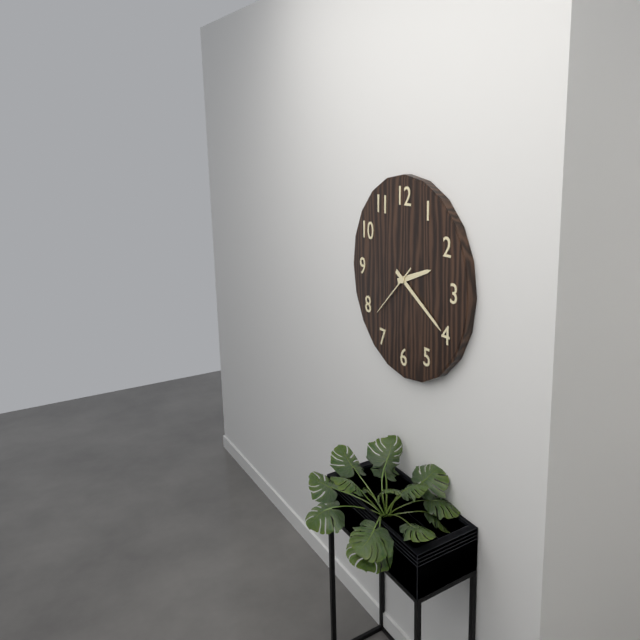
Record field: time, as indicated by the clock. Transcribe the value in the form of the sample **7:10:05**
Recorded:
**2:20:38**
